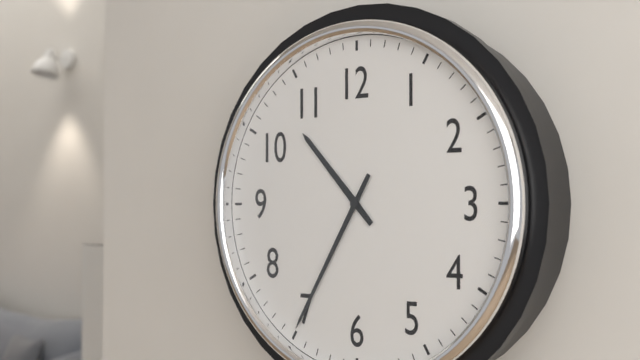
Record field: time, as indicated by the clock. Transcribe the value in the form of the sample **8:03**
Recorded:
**10:35**
